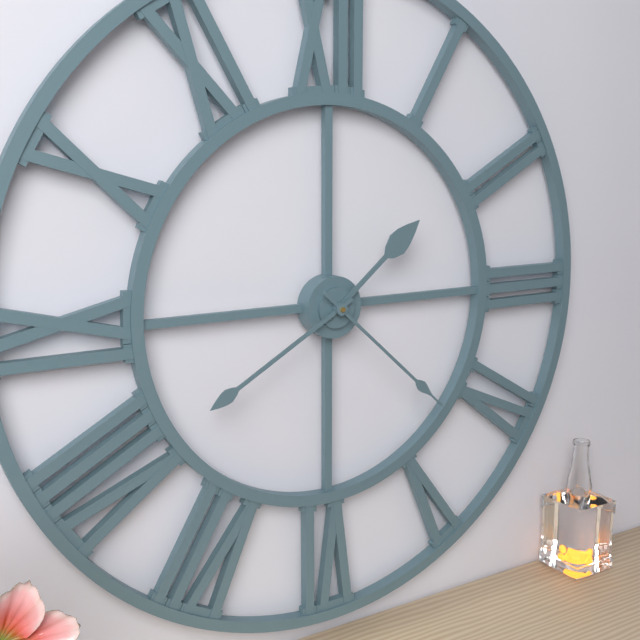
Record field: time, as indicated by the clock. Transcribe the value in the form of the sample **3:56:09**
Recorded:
**1:40:22**
